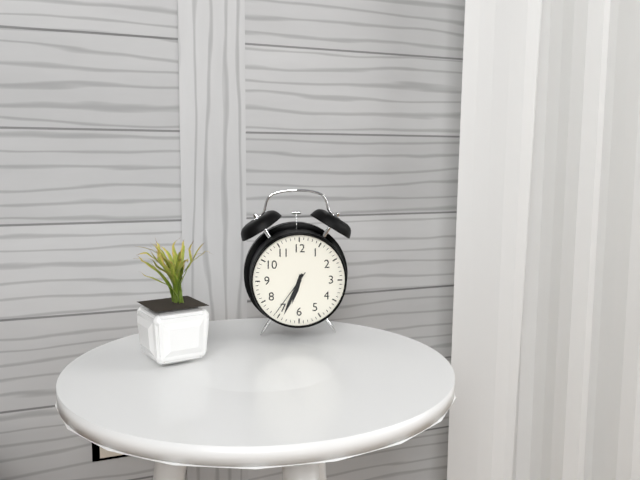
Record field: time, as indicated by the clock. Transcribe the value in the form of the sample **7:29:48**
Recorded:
**6:34:36**
